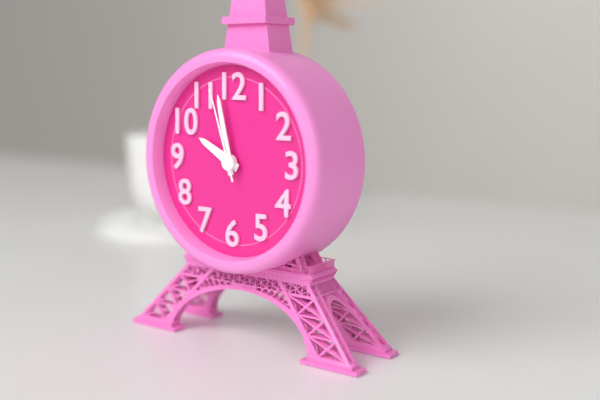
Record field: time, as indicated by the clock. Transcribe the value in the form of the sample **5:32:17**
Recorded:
**9:58:57**
